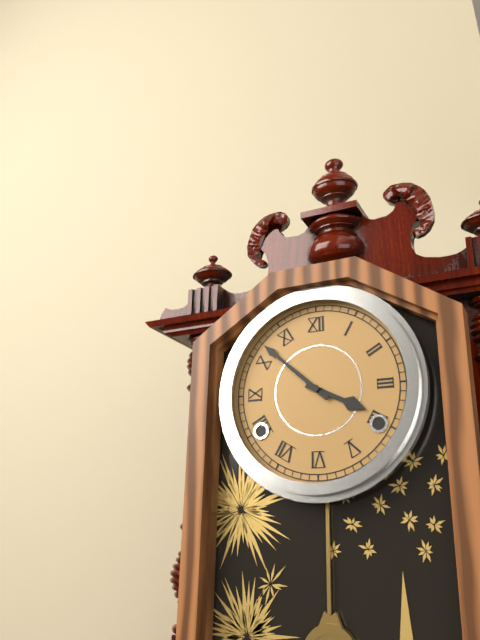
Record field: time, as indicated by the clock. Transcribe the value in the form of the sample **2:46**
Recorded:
**3:52**
